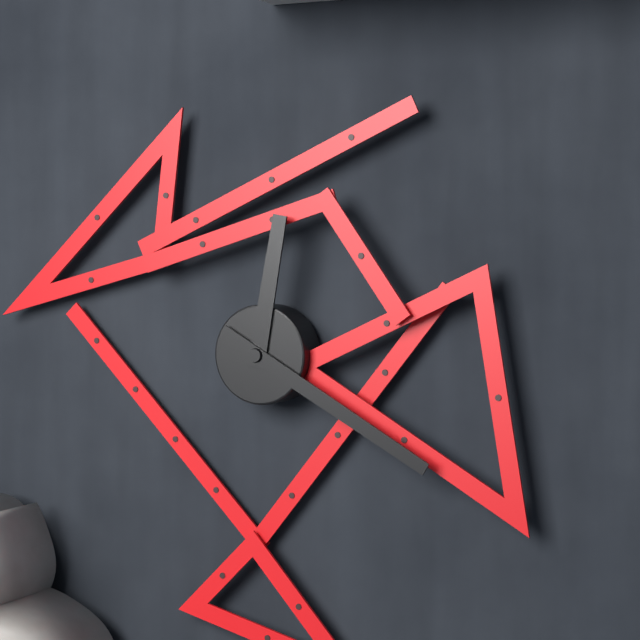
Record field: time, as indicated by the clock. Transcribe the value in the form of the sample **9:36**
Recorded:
**12:20**
